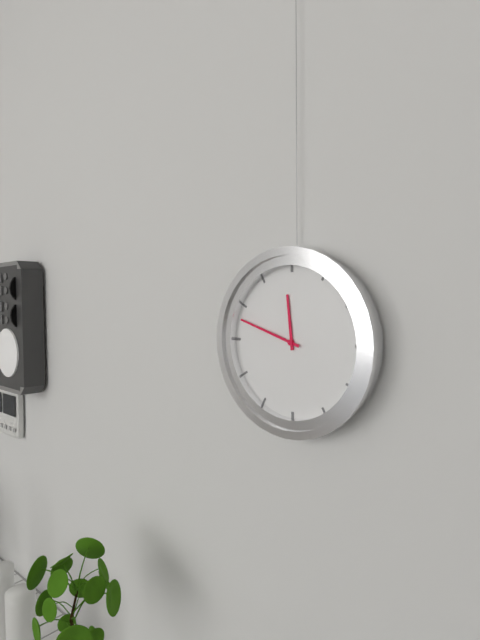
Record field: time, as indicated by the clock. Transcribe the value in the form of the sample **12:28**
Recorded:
**11:48**
